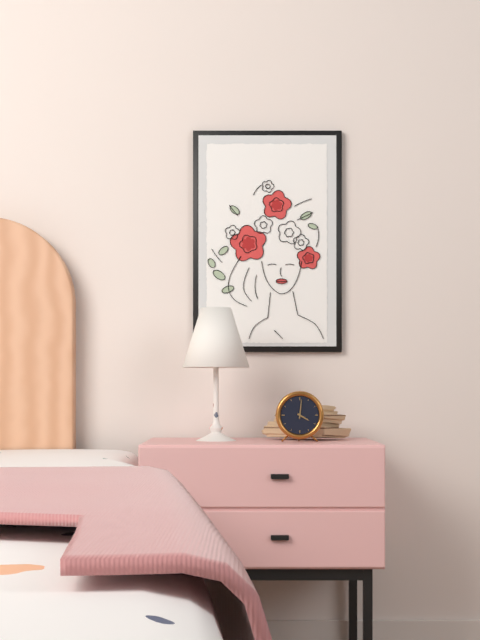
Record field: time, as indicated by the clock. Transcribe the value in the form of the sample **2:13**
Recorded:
**4:01**
